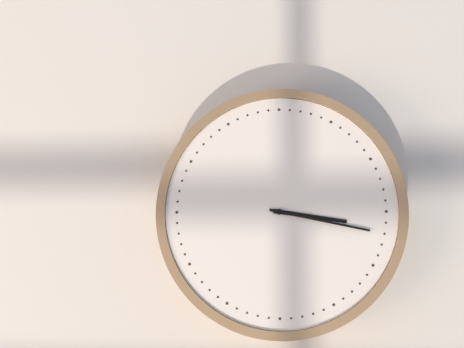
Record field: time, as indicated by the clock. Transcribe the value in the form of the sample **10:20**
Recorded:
**3:17**
